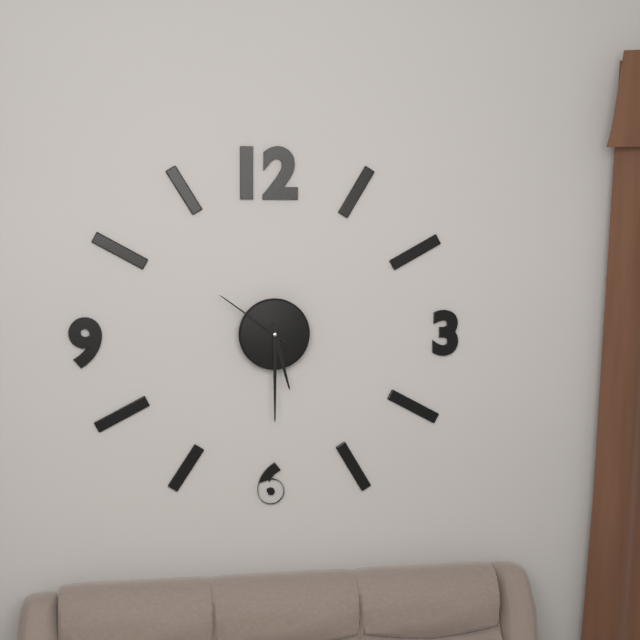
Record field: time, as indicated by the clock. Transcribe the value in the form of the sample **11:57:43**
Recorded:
**5:30:51**
